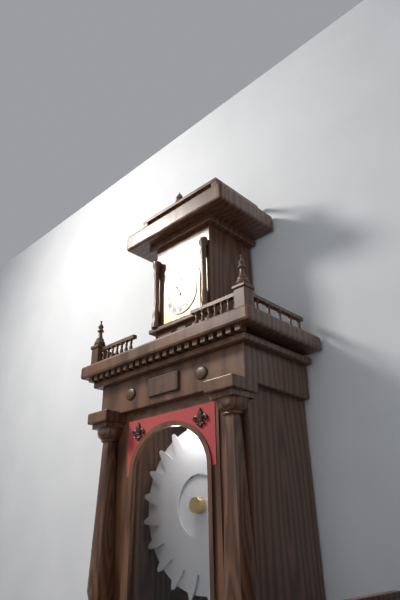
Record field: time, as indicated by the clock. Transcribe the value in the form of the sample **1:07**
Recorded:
**11:00**
